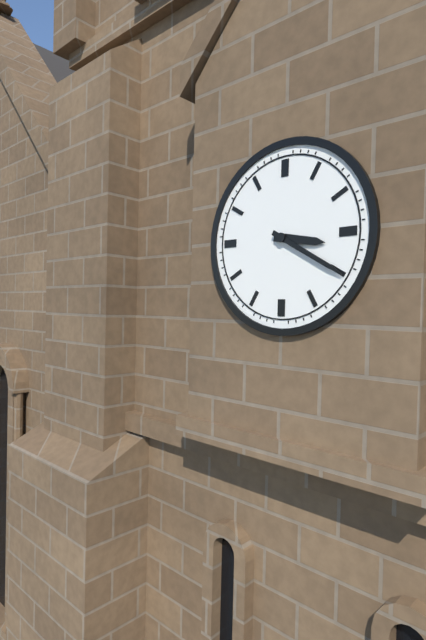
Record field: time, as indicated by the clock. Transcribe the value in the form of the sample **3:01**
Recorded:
**3:20**
